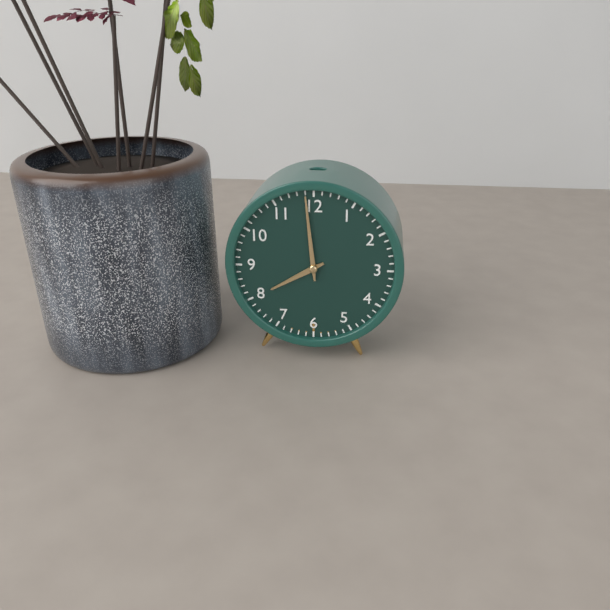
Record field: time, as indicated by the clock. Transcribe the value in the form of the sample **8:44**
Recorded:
**7:59**
